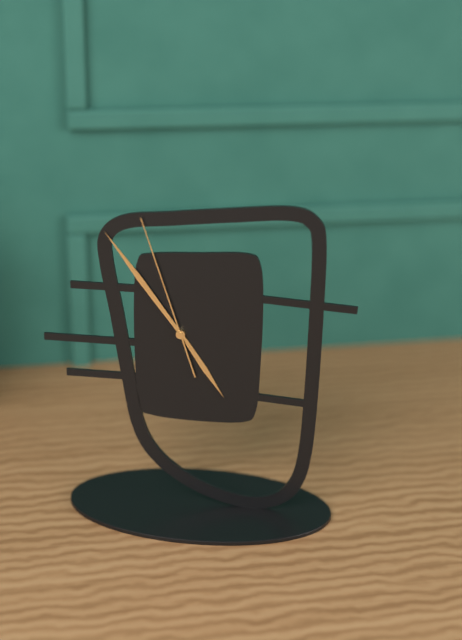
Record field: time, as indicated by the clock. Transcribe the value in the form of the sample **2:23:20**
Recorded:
**4:54:57**
